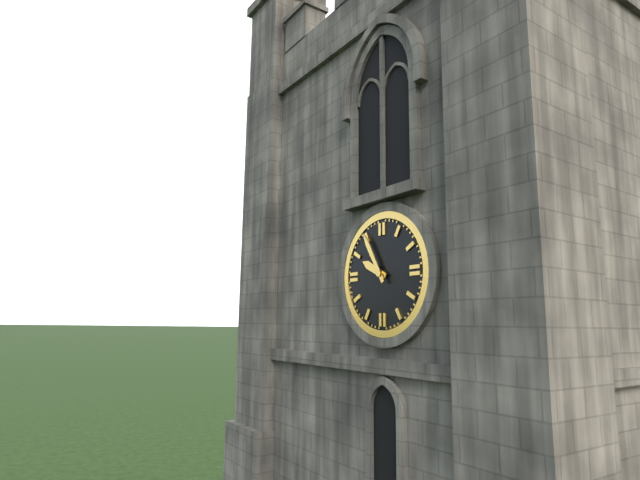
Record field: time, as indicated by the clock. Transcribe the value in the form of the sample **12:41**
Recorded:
**9:55**
